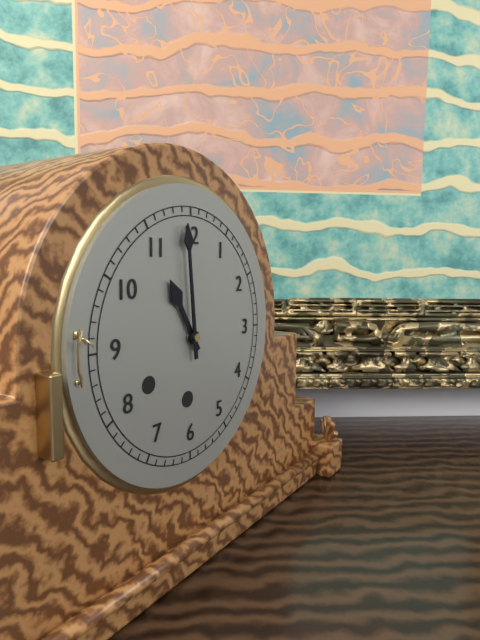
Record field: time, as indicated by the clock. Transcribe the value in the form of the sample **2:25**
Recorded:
**10:59**
